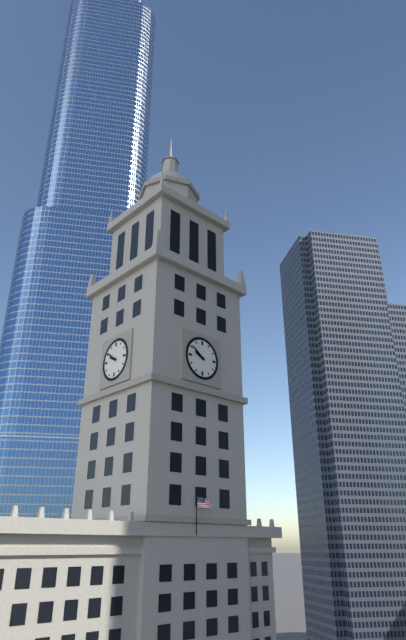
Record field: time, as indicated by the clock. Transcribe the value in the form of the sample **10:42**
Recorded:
**9:51**
